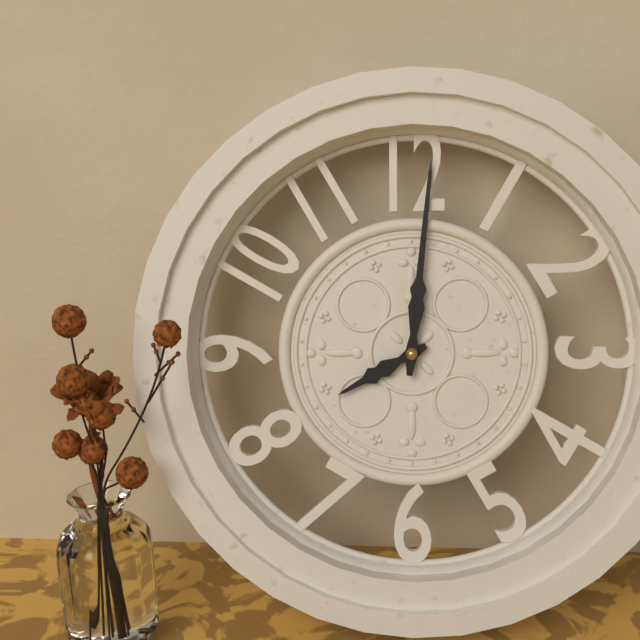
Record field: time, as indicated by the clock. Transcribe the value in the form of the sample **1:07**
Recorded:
**8:01**
